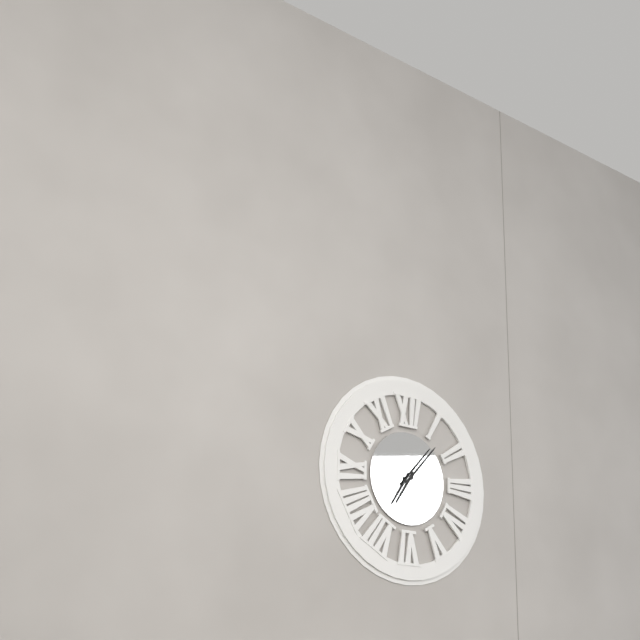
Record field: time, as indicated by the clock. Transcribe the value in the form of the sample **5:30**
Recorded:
**7:07**
